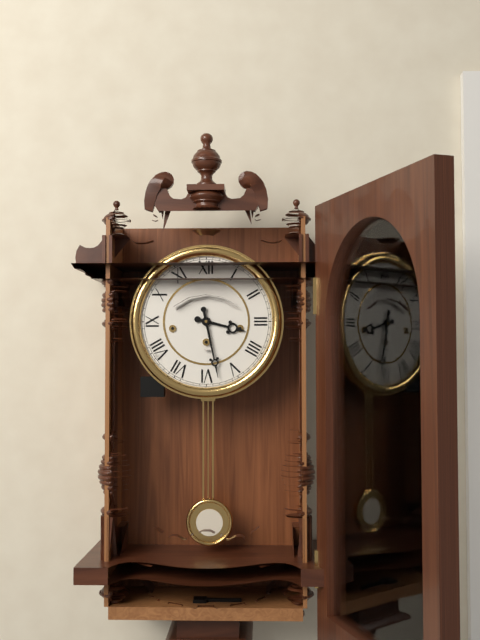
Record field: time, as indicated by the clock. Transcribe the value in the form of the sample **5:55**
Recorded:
**3:28**
